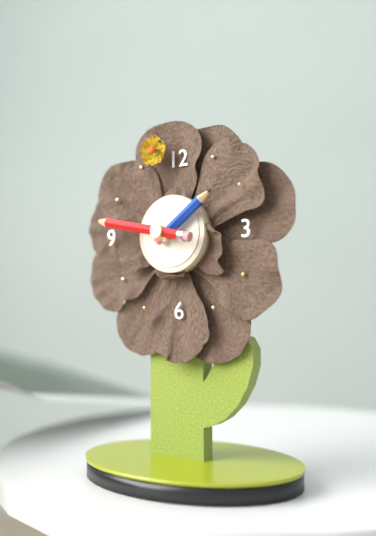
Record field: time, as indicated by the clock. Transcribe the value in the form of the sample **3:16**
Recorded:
**1:47**
